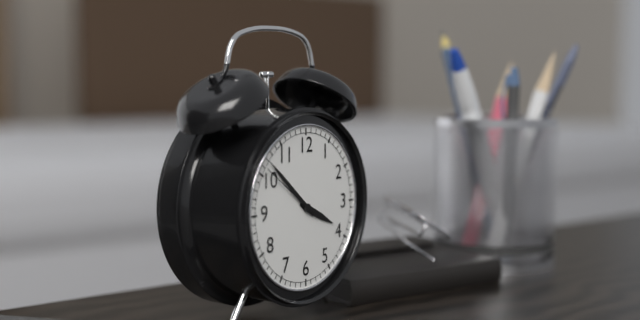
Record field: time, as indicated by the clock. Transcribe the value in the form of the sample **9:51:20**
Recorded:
**3:52:51**
